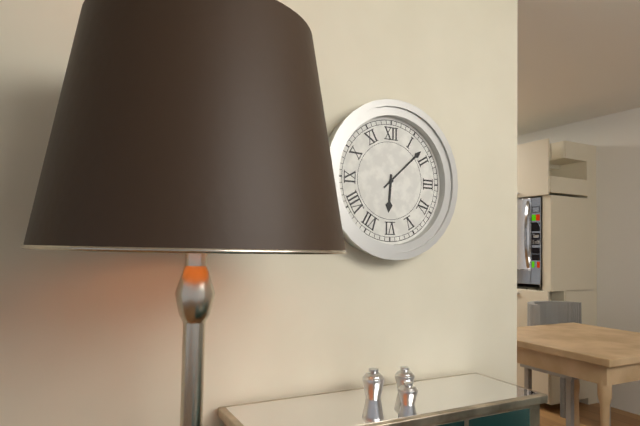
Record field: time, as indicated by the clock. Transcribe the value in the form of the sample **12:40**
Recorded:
**6:08**
